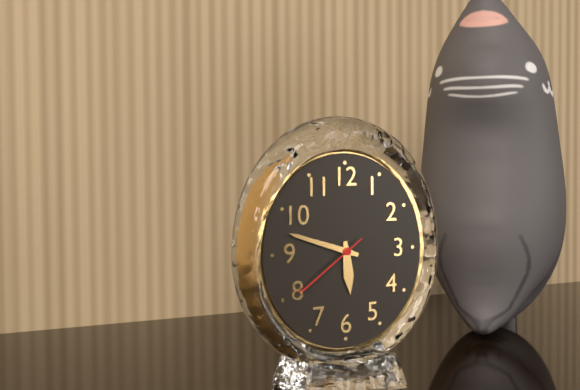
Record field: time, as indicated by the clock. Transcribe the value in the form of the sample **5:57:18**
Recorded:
**5:48:39**
